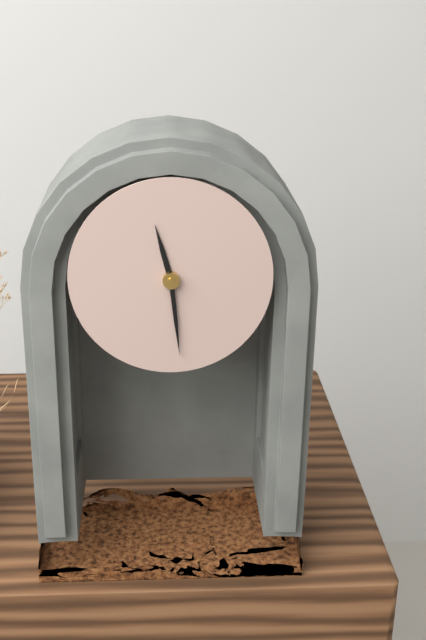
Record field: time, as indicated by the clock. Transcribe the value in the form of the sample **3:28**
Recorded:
**11:29**
